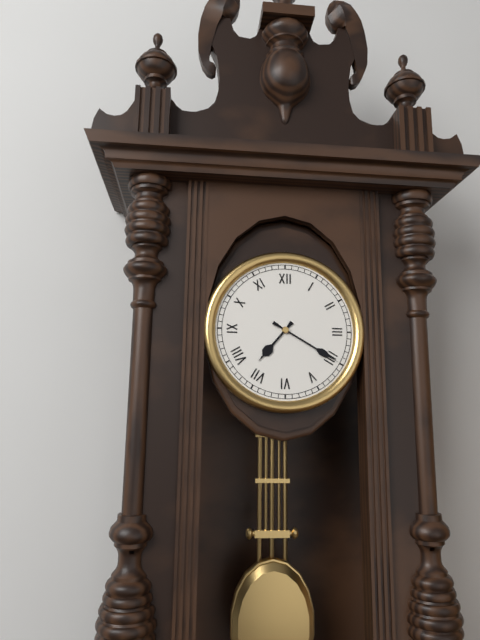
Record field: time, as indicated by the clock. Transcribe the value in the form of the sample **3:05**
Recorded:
**7:20**
